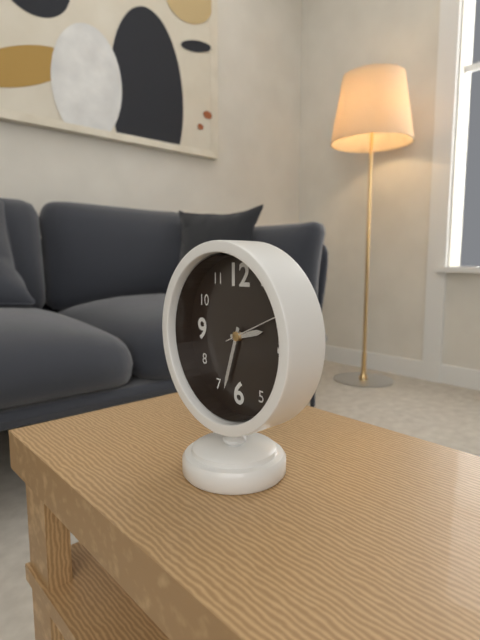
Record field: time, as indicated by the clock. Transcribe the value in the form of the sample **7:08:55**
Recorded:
**2:33:11**
